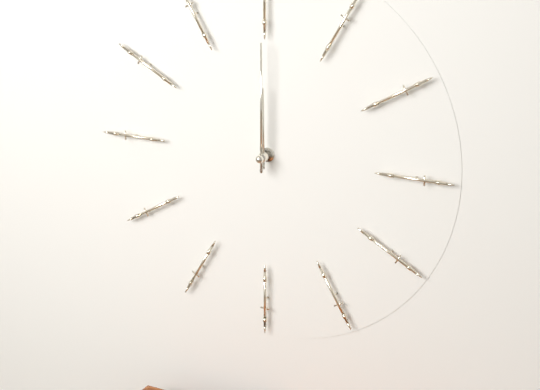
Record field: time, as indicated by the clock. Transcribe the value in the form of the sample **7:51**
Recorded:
**12:00**
